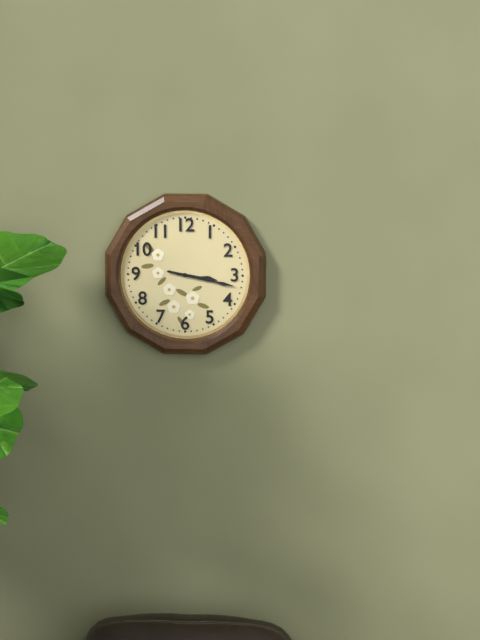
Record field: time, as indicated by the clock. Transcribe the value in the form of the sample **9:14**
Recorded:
**3:17**
